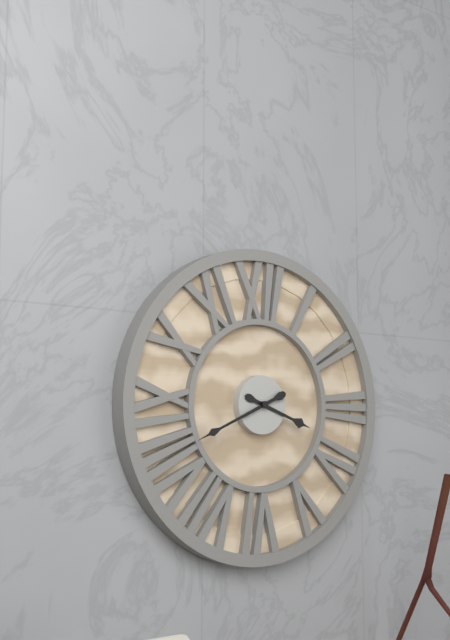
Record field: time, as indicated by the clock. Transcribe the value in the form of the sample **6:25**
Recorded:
**3:41**
